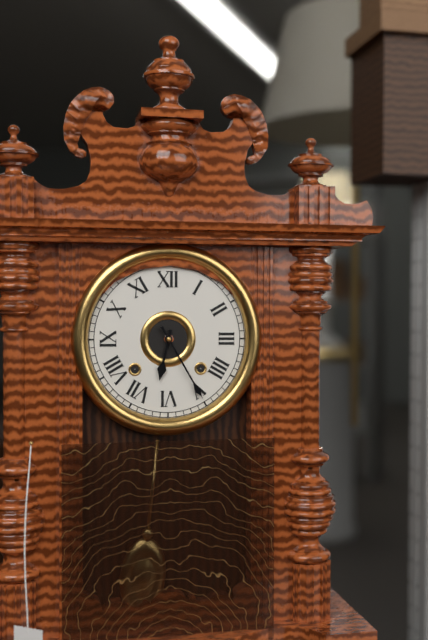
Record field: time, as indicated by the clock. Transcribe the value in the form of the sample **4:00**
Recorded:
**6:25**
